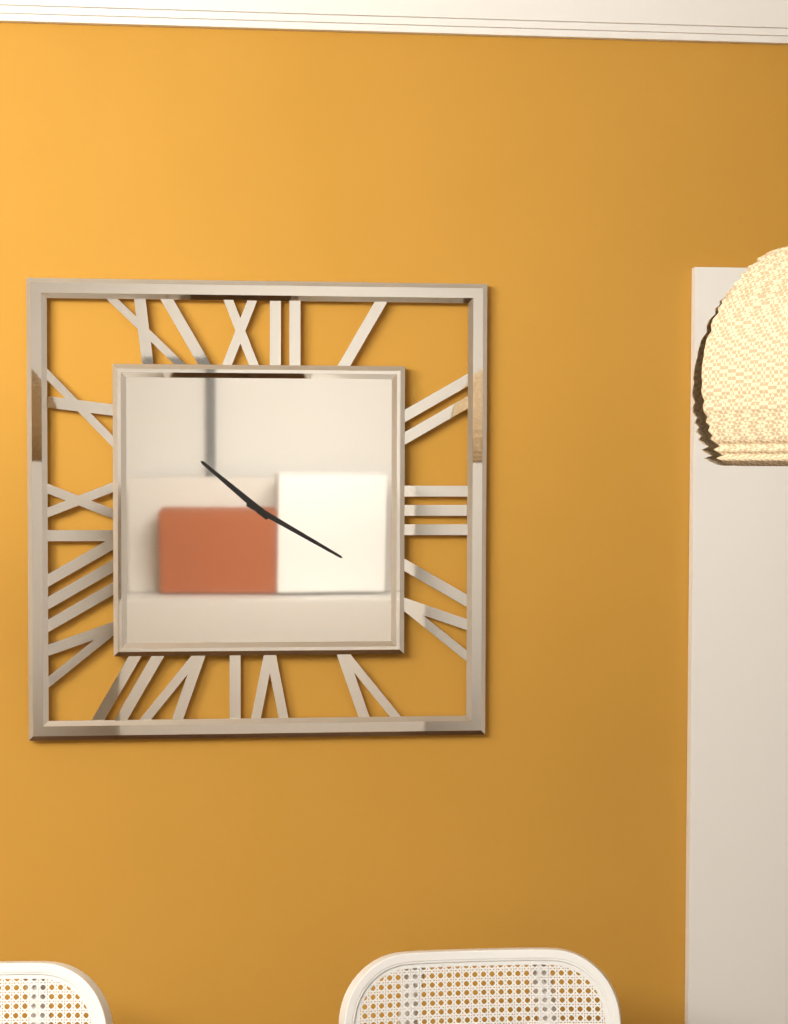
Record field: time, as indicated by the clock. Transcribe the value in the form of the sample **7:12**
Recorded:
**10:20**
